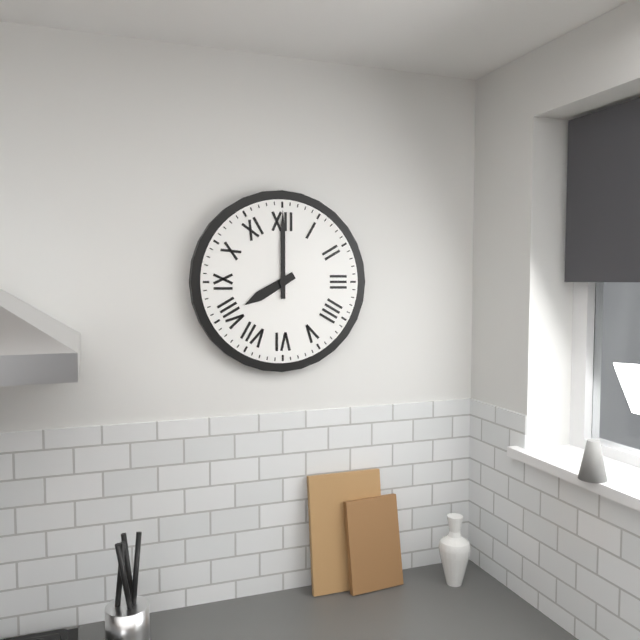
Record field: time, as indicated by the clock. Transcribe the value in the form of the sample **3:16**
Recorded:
**8:00**
